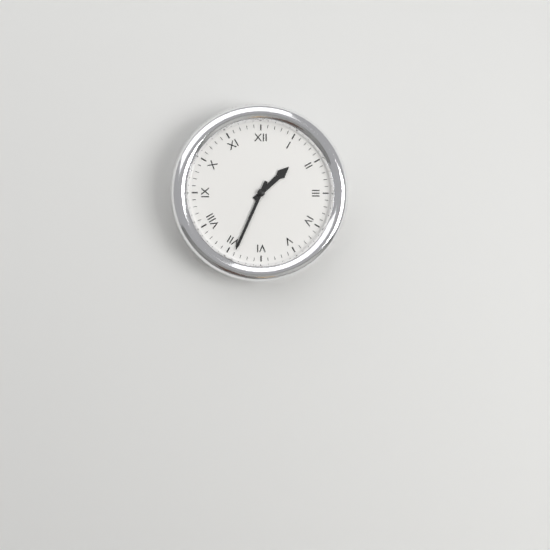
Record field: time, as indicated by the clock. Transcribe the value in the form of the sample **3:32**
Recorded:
**1:34**
